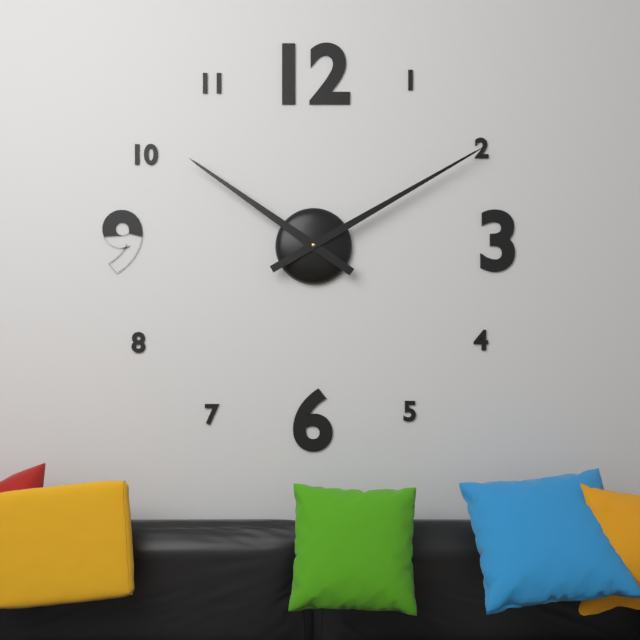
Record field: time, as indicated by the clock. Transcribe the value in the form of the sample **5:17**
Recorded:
**10:10**
